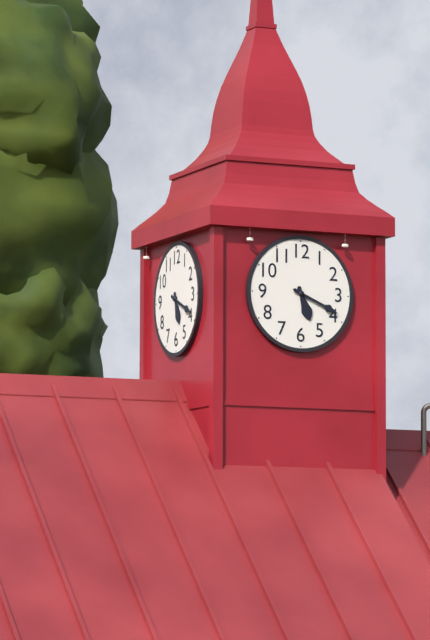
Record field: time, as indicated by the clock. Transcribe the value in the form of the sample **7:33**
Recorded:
**5:19**
